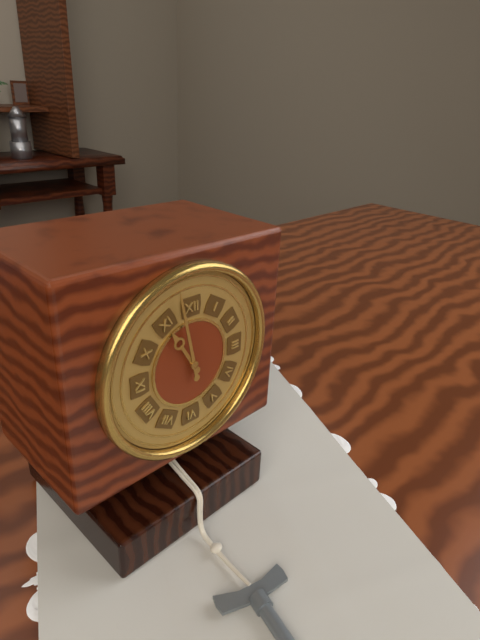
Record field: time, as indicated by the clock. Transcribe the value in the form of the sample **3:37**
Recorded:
**10:58**
